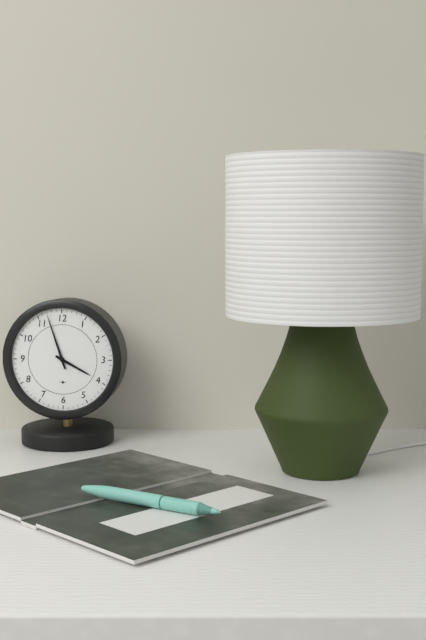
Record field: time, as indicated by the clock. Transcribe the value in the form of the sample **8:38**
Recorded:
**3:57**
